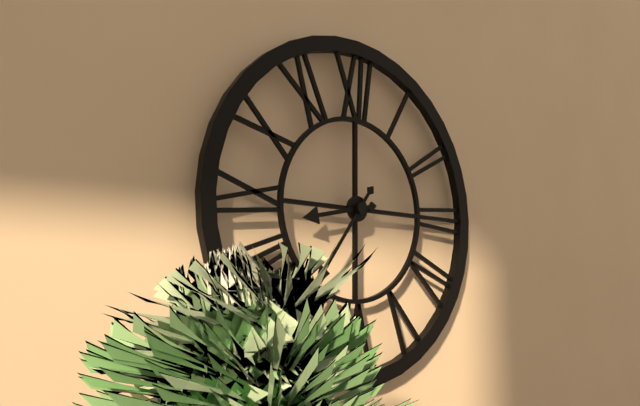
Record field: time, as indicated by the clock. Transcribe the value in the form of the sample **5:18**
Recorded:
**8:36**
